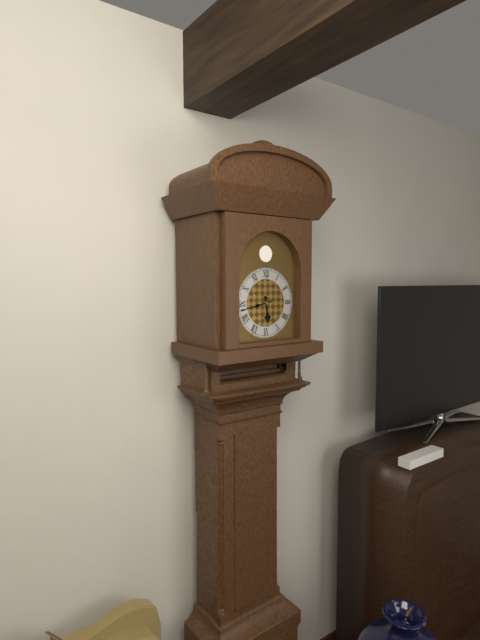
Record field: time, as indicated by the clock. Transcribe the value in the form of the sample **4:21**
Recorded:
**5:43**
